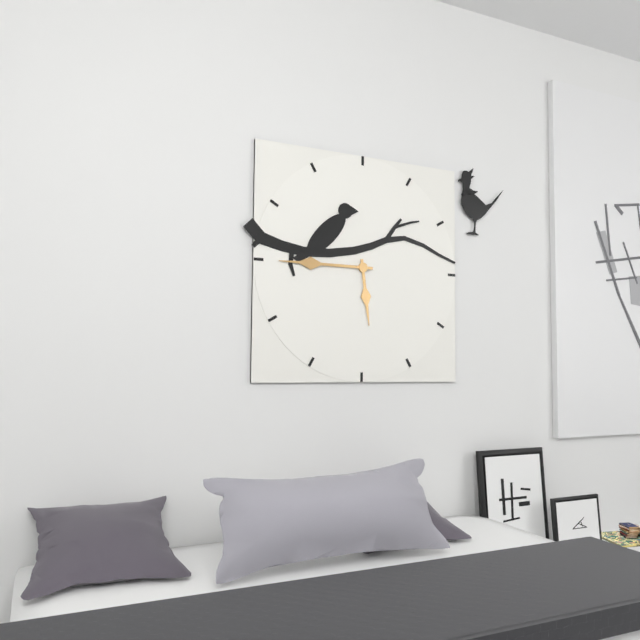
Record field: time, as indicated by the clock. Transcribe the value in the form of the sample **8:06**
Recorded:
**5:45**
